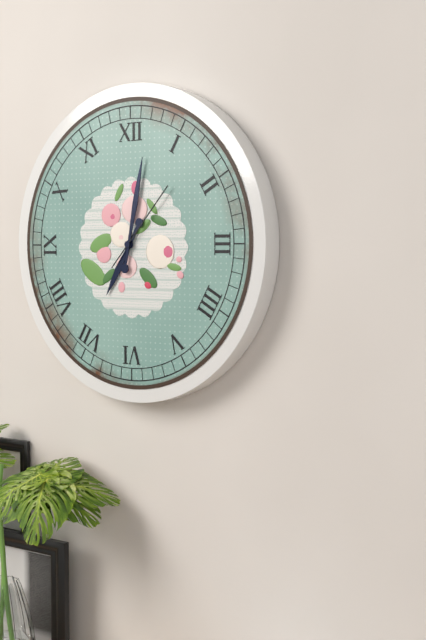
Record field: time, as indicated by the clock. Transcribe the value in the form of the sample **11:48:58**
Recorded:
**7:02:07**
